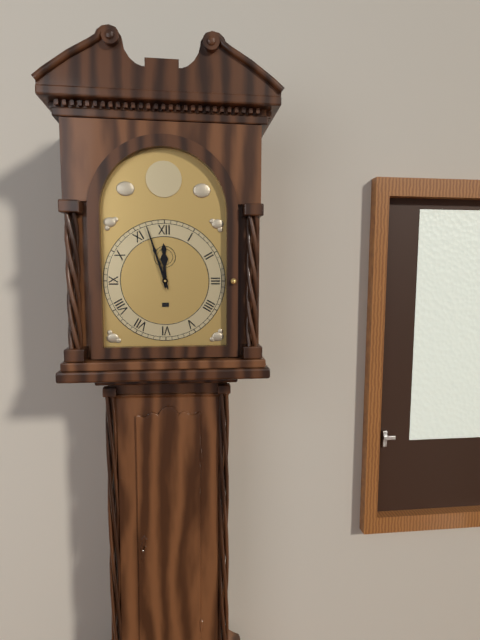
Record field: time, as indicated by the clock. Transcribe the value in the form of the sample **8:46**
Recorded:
**11:57**
